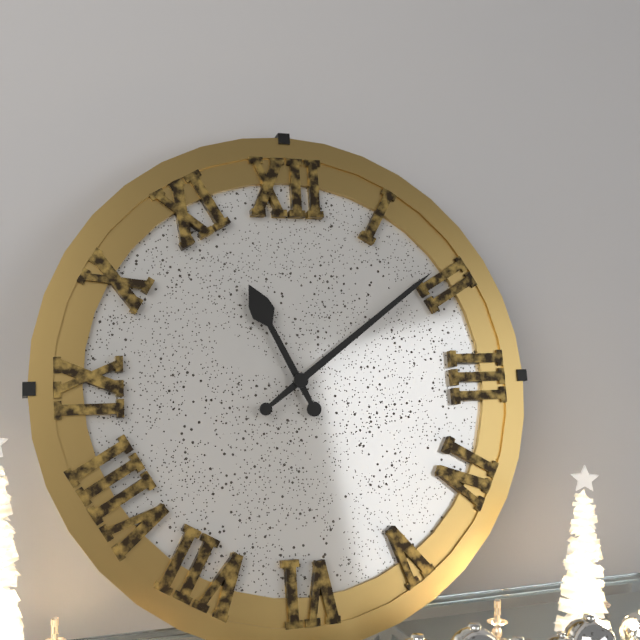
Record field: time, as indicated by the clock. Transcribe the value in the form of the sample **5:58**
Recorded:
**11:09**
